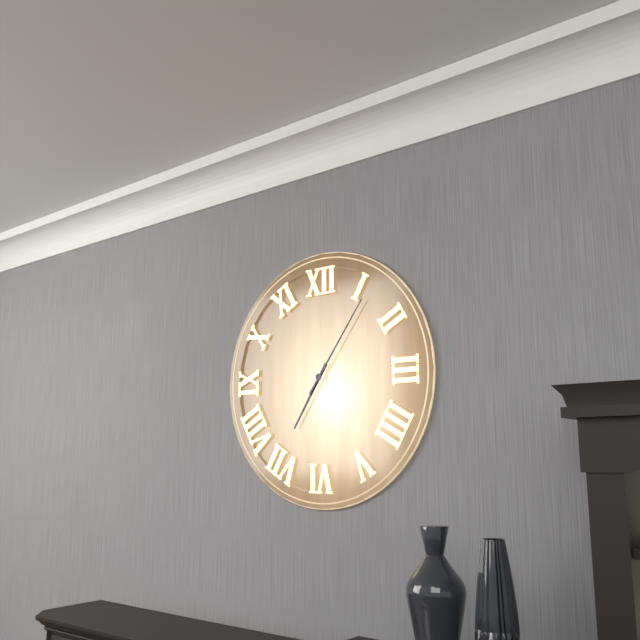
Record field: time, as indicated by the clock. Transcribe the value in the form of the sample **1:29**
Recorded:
**7:06**
